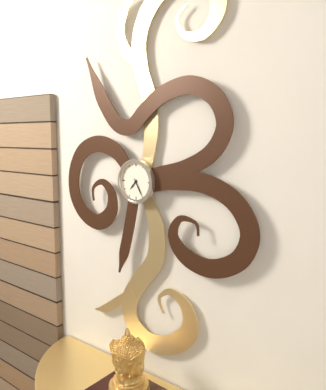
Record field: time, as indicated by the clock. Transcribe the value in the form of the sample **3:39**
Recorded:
**7:25**
